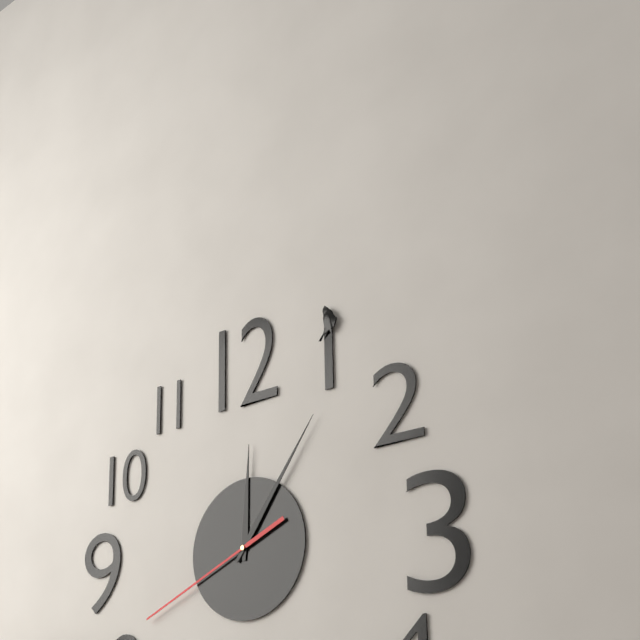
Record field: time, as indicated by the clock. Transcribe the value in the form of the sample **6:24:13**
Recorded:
**12:06:41**
